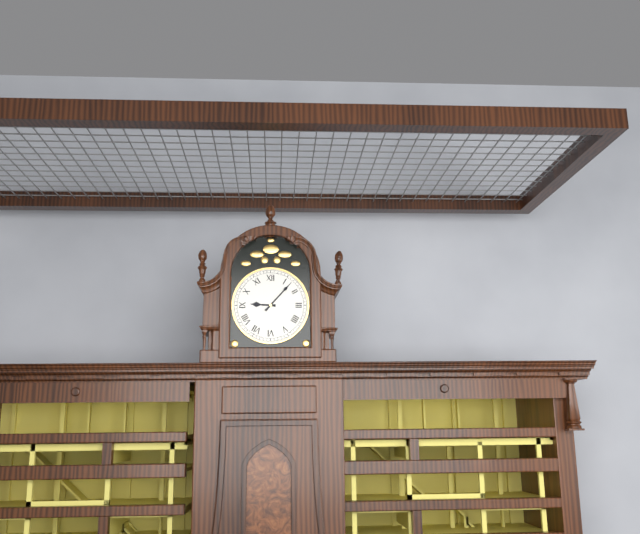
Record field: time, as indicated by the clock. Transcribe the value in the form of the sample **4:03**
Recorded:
**9:07**
